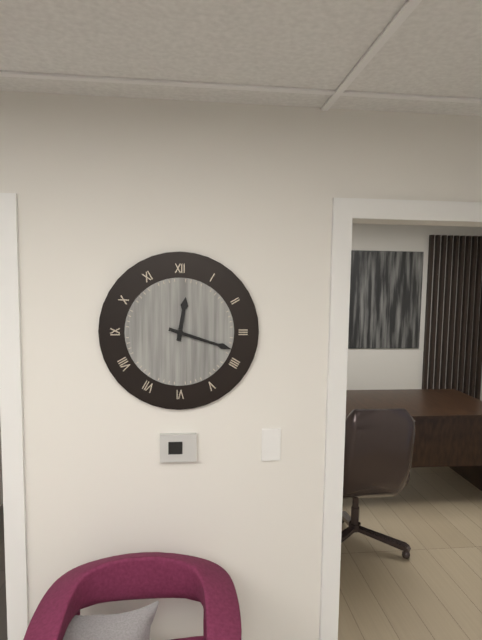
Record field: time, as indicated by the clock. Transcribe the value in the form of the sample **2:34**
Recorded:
**12:18**
